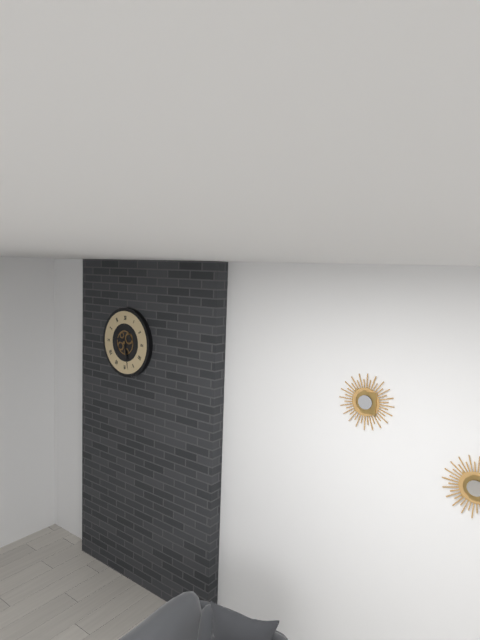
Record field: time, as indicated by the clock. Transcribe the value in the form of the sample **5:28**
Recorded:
**9:28**
